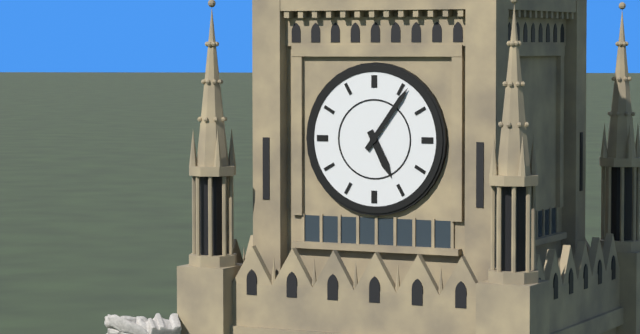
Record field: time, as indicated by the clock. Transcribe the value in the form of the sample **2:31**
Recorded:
**5:06**
